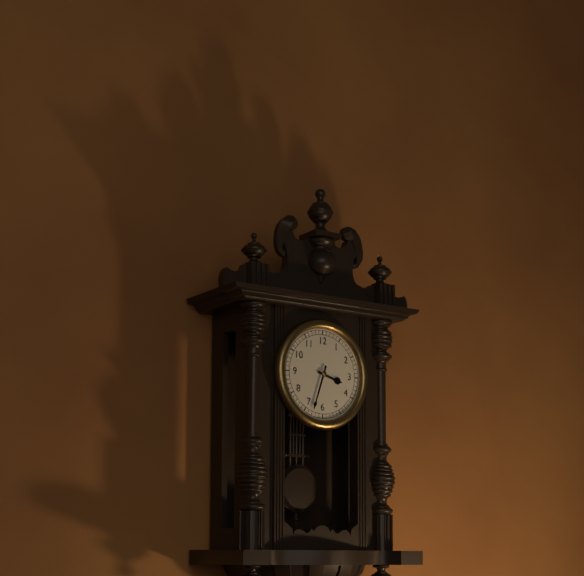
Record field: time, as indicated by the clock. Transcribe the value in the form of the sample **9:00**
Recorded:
**3:33**
